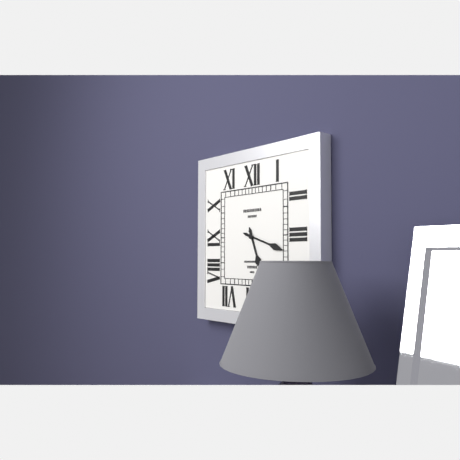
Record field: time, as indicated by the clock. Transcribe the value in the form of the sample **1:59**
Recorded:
**5:18**
